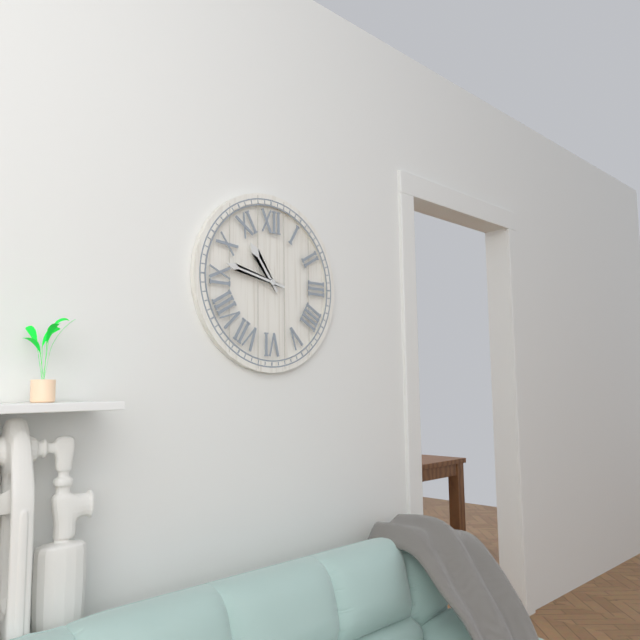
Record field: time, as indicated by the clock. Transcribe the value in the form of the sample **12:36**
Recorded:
**10:47**
